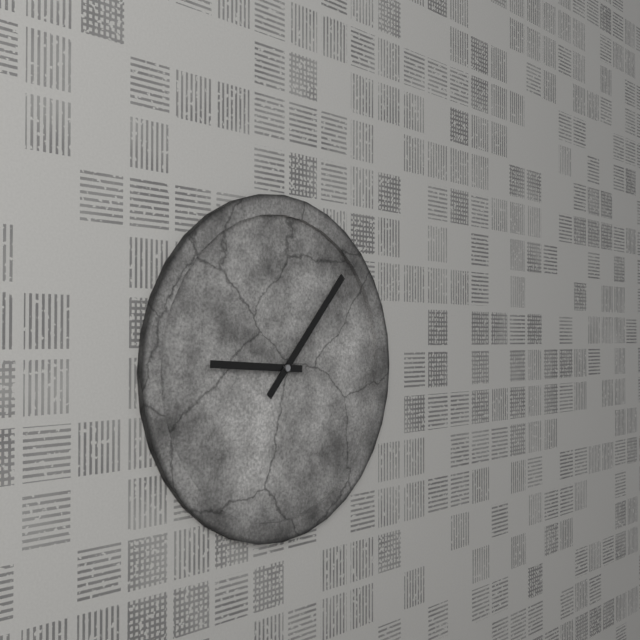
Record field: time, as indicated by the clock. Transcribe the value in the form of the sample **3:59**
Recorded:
**9:07**
